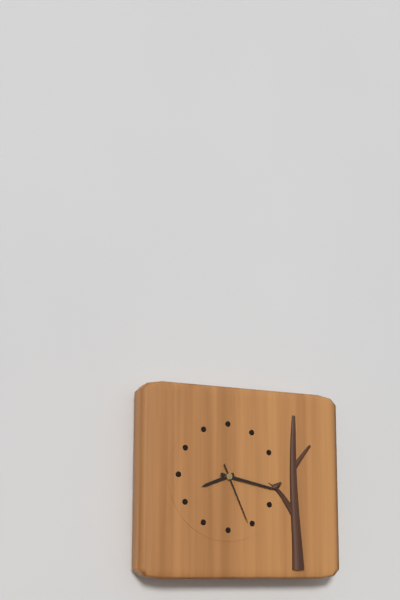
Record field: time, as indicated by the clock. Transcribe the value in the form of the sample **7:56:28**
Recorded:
**8:17:26**
